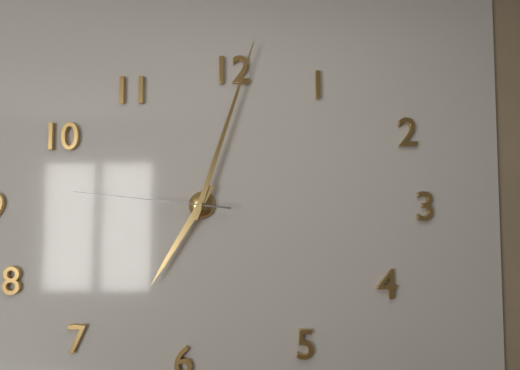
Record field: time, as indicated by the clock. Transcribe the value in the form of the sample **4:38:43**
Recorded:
**7:03:46**
